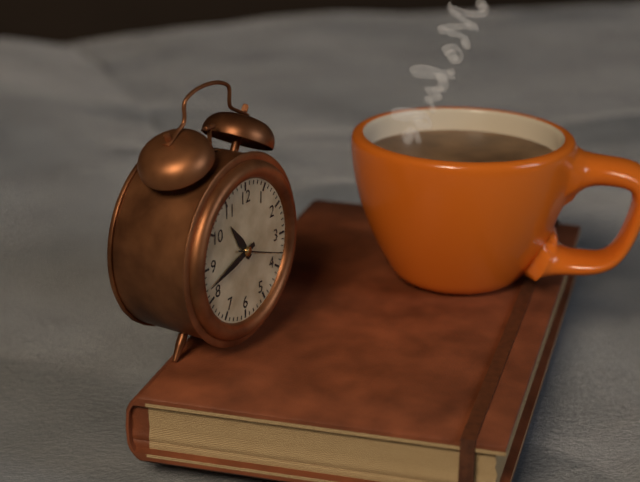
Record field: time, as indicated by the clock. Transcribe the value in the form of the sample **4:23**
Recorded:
**10:42**
